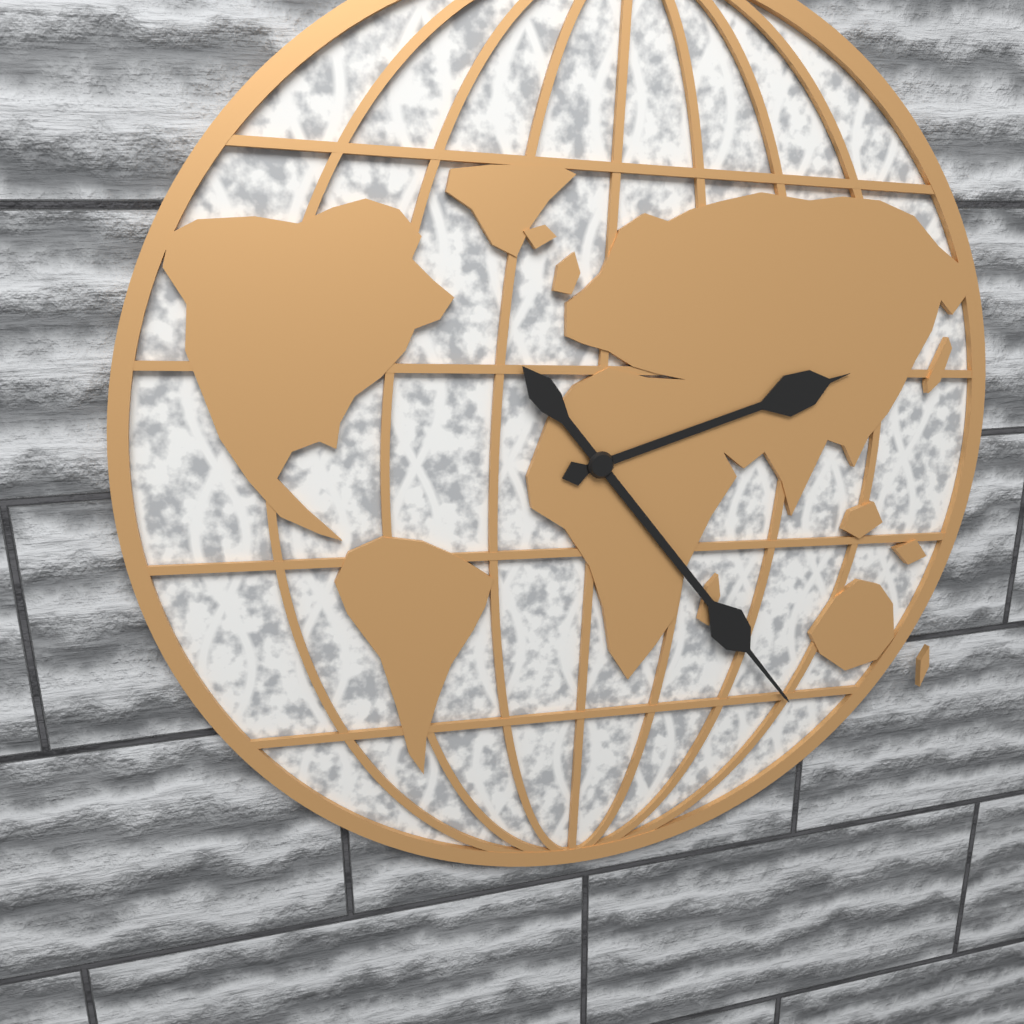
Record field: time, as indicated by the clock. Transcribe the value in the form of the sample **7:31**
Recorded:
**2:23**
